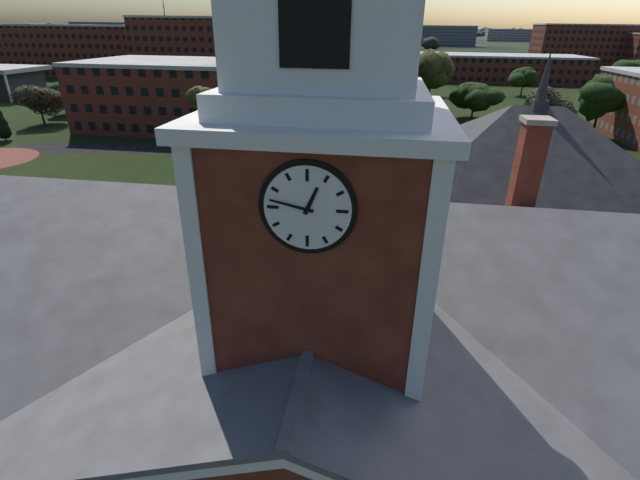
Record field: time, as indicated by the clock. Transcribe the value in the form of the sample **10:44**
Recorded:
**12:47**
